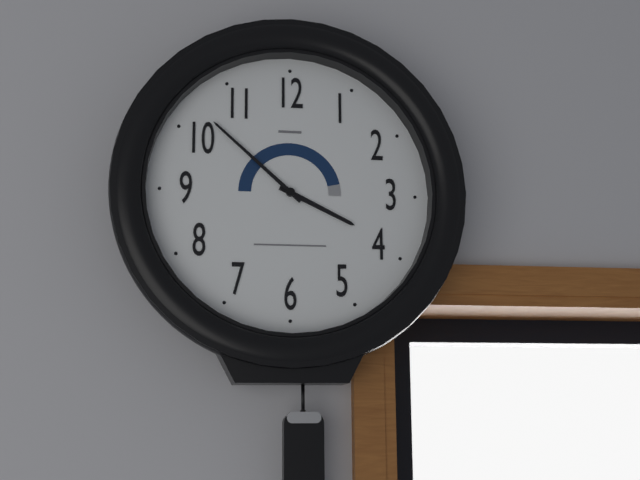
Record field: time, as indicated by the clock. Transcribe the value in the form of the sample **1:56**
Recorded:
**3:52**
